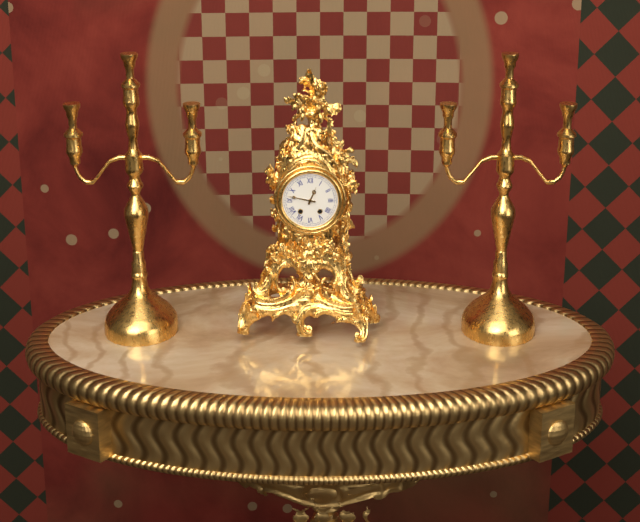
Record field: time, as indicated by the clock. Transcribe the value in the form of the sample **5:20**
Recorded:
**12:47**
